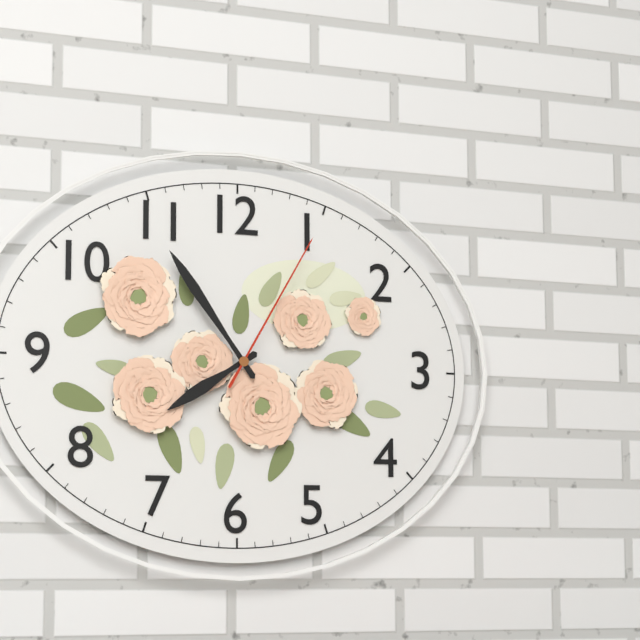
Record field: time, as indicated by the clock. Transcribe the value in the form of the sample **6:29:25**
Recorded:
**7:54:05**
